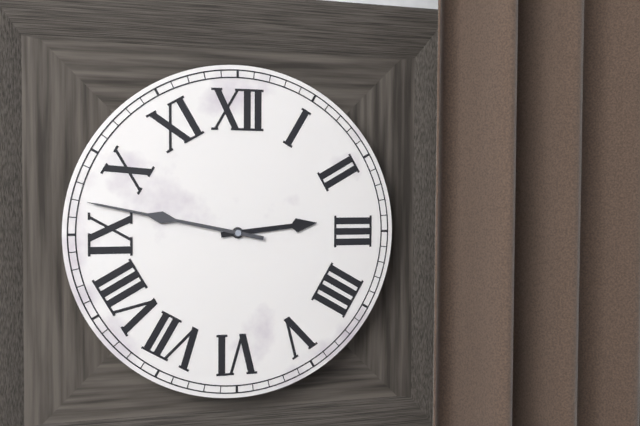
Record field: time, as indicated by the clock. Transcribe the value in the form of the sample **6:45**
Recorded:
**2:47**
